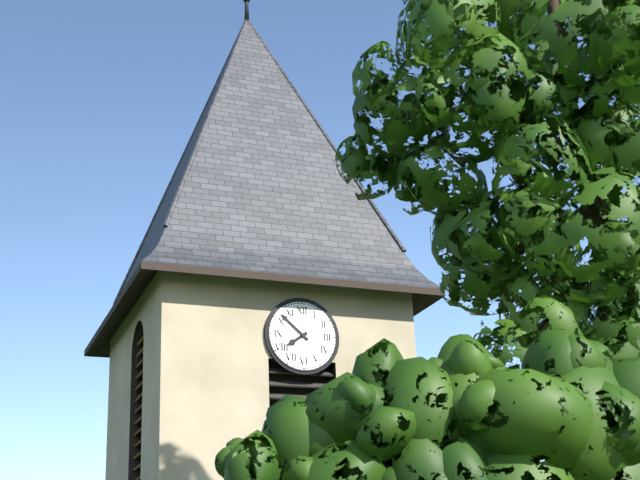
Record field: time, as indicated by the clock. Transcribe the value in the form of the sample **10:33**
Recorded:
**7:52**
